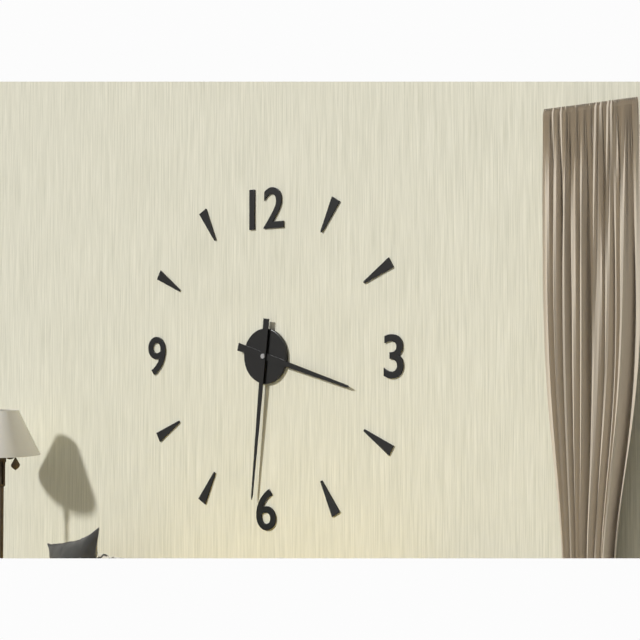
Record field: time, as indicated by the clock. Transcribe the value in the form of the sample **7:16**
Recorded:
**3:31**
